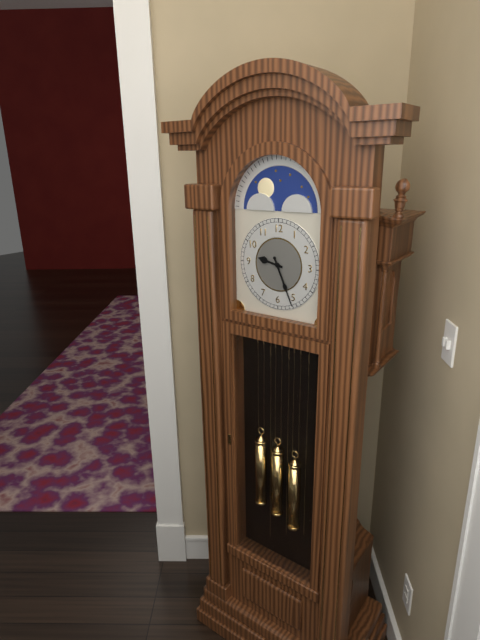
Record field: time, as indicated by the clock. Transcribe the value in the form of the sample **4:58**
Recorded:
**9:26**
